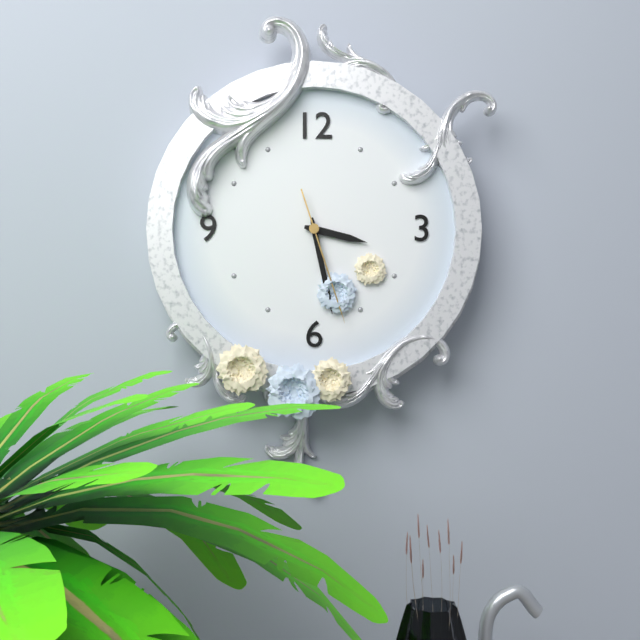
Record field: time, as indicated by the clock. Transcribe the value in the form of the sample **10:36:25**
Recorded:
**3:28:27**
